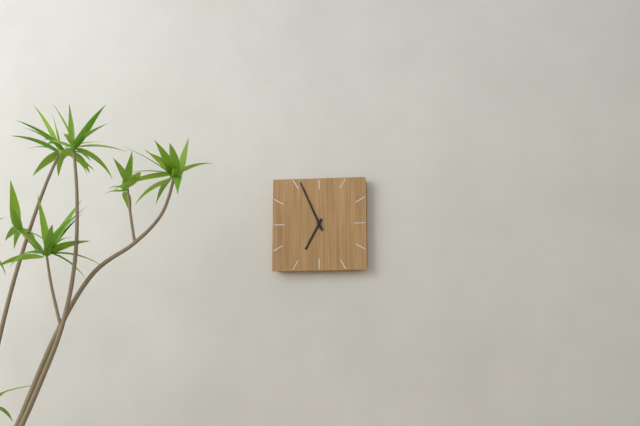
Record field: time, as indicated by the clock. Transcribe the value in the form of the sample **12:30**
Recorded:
**6:56**
